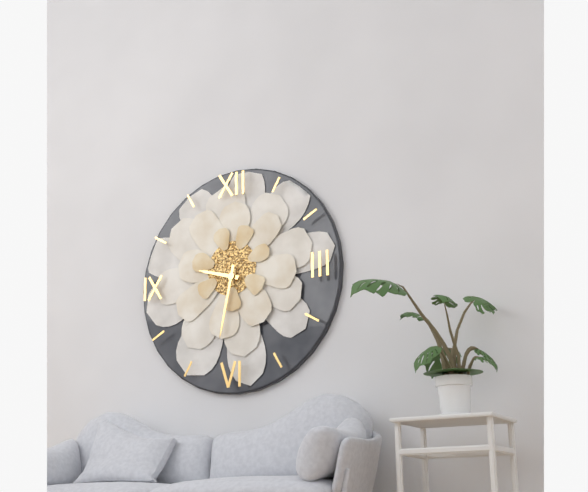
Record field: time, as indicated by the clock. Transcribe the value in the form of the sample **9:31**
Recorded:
**9:32**
